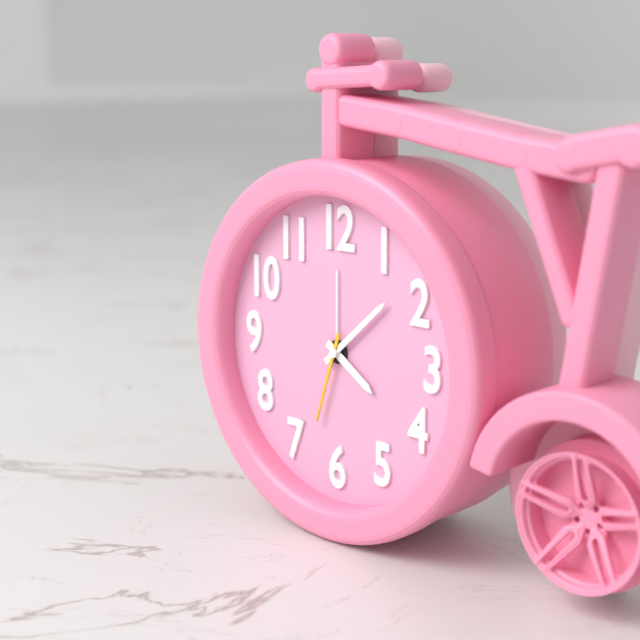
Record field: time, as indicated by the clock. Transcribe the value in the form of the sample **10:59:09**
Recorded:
**4:08:33**
